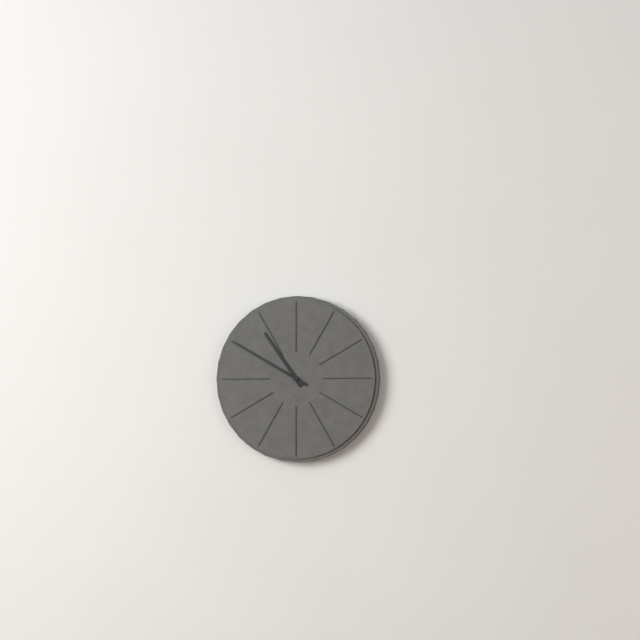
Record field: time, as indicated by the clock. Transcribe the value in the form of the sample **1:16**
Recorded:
**10:50**
